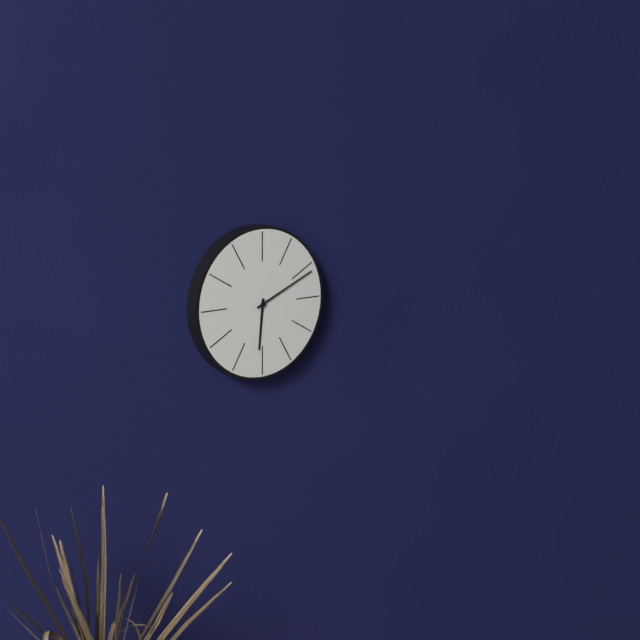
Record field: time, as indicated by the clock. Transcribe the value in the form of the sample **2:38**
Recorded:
**6:11**
